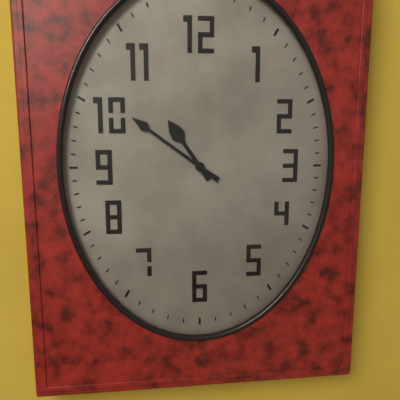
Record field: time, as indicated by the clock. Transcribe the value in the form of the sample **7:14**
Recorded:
**10:51**
